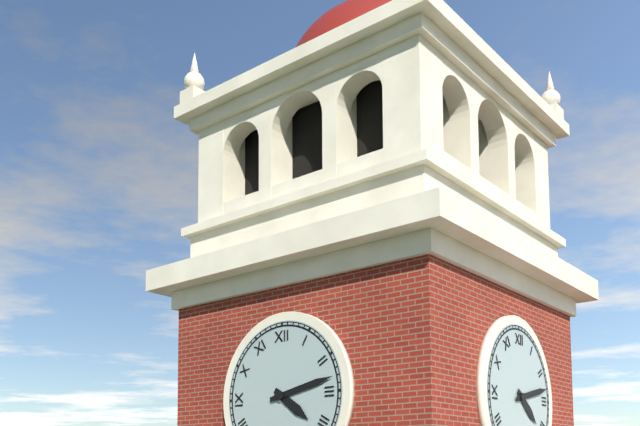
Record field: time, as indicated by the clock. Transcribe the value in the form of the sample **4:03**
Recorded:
**4:13**
